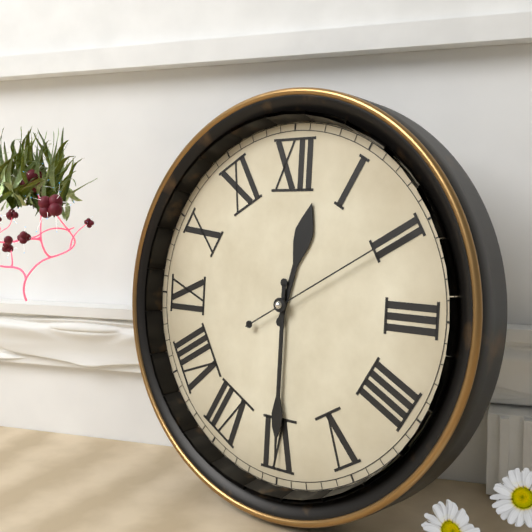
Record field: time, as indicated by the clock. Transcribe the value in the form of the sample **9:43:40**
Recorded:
**12:30:10**
